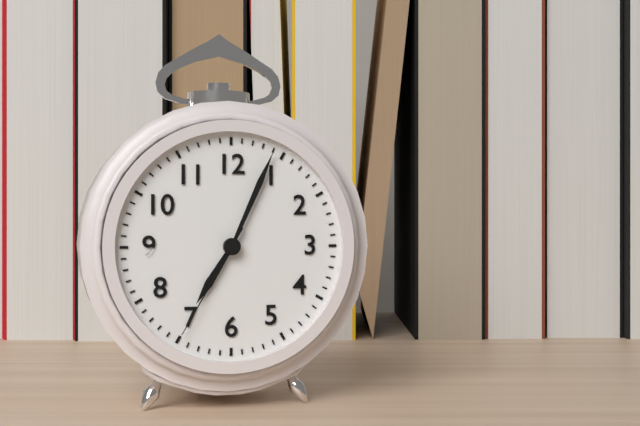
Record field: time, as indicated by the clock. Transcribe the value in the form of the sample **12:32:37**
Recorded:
**7:04:35**
